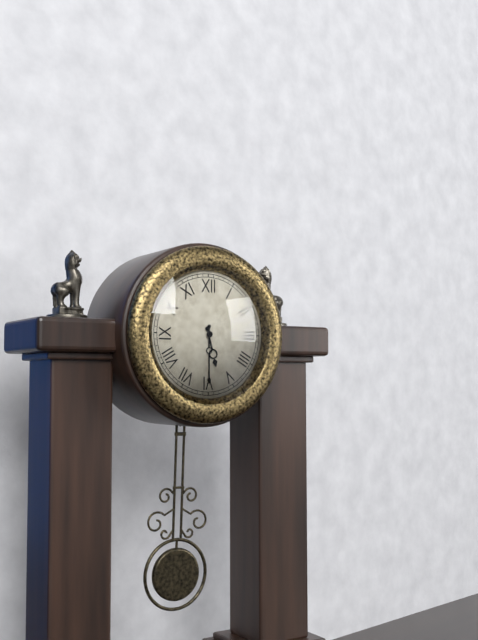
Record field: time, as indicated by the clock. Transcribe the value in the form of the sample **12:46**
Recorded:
**5:30**
